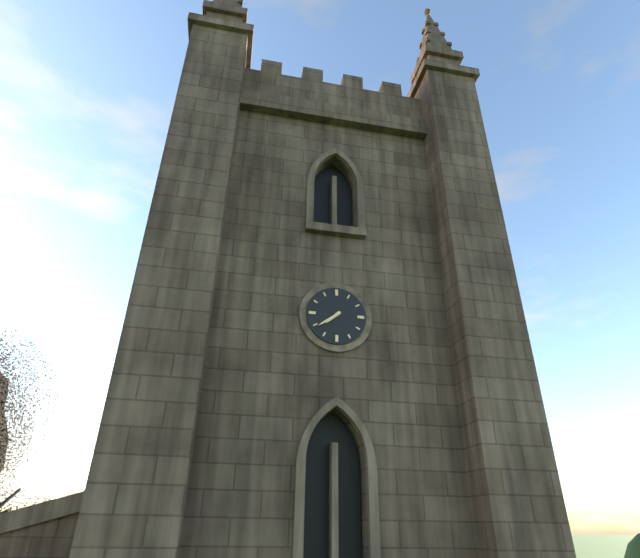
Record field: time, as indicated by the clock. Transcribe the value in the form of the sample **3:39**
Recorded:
**7:39**
